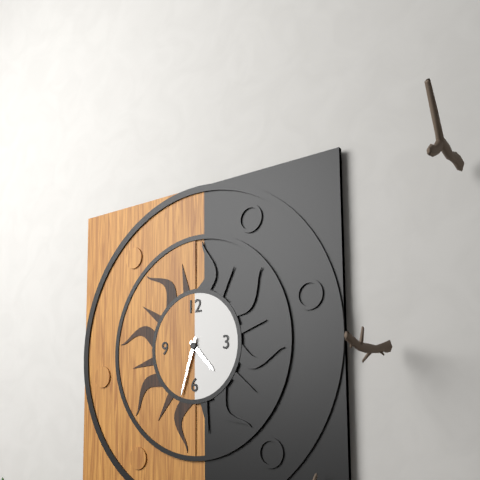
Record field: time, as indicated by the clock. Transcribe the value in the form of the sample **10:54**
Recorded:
**4:33**
